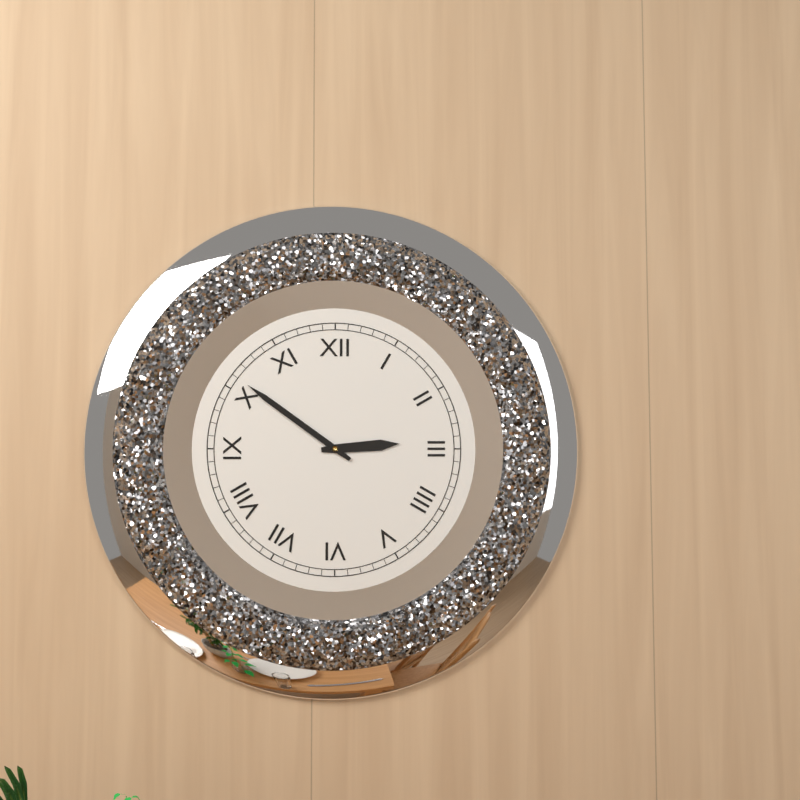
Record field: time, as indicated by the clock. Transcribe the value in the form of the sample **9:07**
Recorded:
**2:51**
